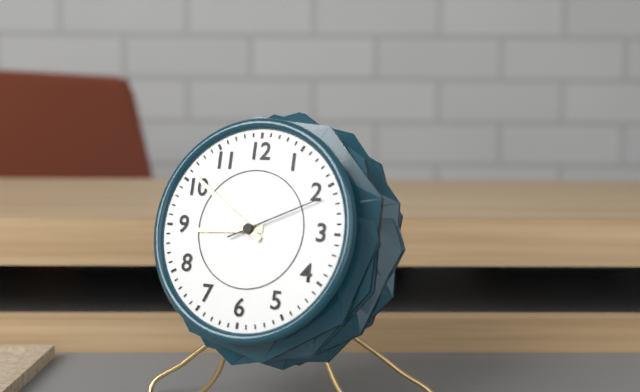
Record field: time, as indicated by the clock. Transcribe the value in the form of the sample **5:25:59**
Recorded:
**8:51:11**
